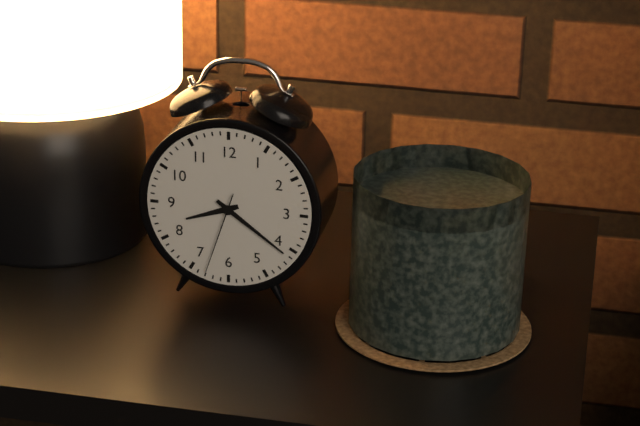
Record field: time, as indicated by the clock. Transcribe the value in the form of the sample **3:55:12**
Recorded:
**8:21:33**
